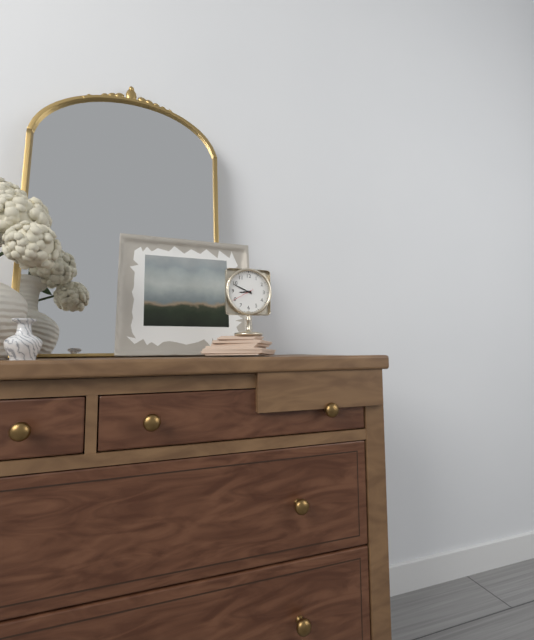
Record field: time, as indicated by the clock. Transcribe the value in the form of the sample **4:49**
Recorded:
**8:49**
